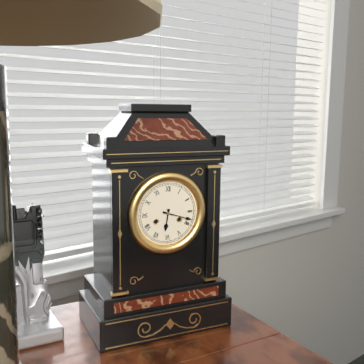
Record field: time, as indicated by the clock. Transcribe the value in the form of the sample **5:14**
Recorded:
**6:18**
